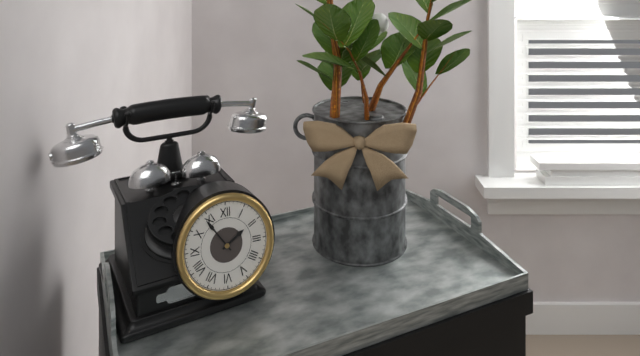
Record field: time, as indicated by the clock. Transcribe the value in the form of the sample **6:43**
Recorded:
**1:54**
